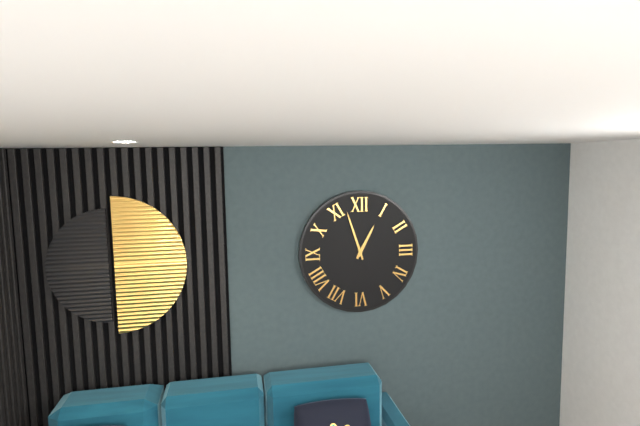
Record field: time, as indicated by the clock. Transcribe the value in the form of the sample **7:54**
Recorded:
**12:57**
